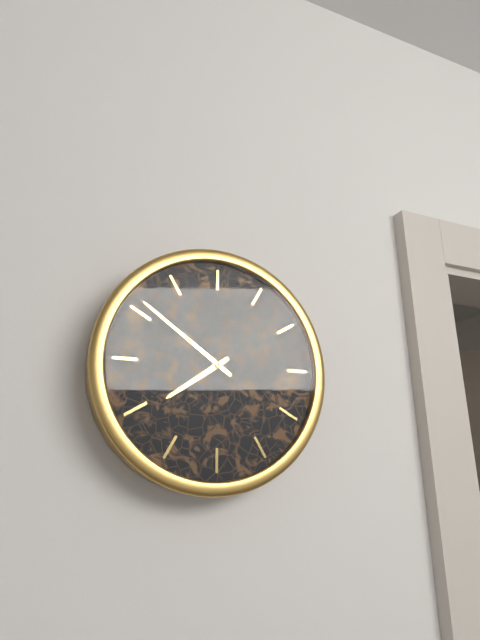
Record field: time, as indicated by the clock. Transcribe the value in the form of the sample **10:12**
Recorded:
**7:51**
